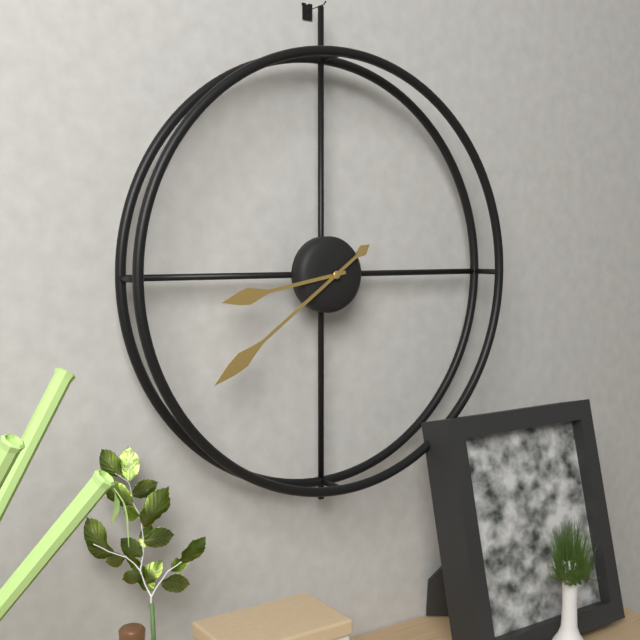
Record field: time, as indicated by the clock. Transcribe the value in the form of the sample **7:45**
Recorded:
**8:39**
